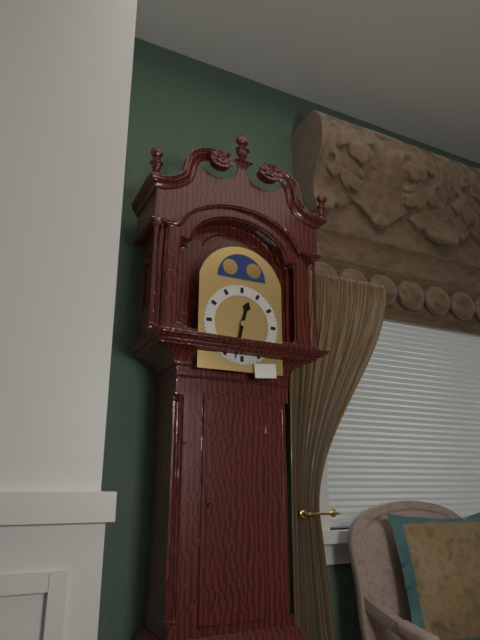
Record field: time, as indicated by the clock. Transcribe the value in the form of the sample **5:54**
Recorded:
**12:32**
